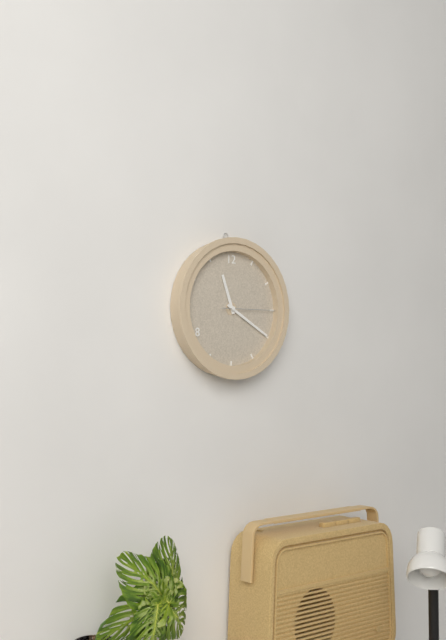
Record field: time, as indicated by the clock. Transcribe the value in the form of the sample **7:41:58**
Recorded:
**11:20:15**
